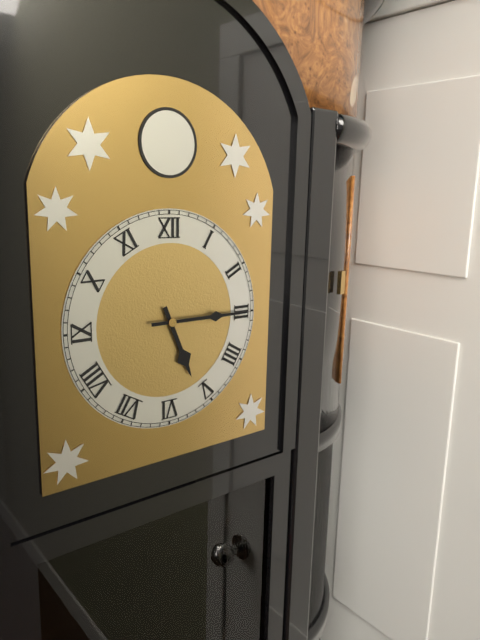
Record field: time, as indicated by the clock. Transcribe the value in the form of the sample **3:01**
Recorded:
**5:15**
